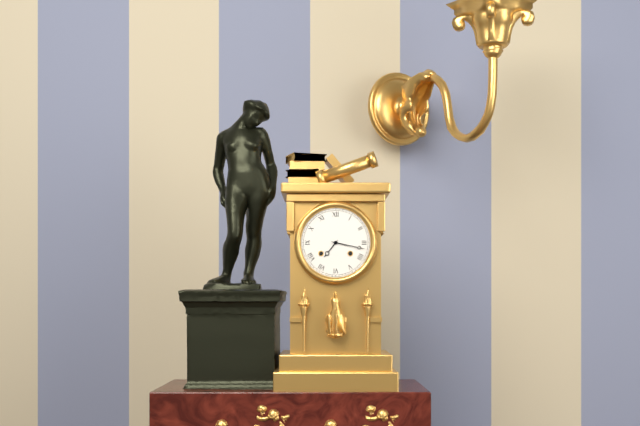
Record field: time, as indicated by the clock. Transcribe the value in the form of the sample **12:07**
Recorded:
**7:17**
